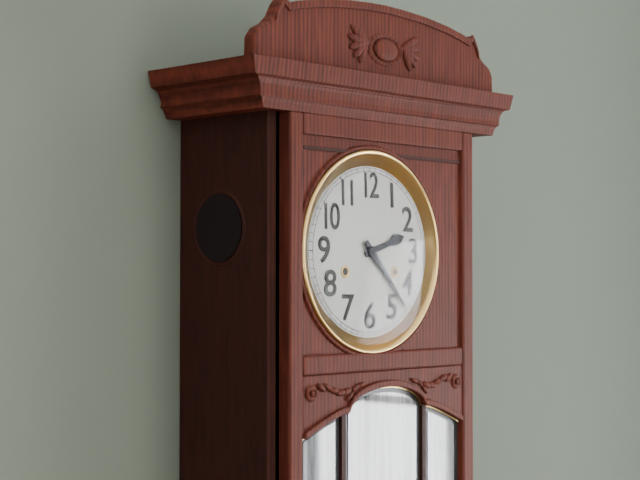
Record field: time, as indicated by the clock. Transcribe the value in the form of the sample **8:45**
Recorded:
**2:23**
